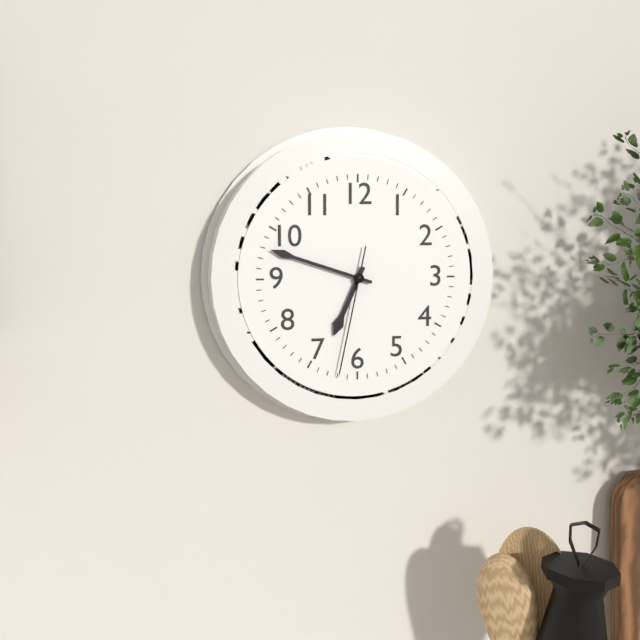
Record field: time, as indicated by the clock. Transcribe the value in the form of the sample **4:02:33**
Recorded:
**6:48:32**
